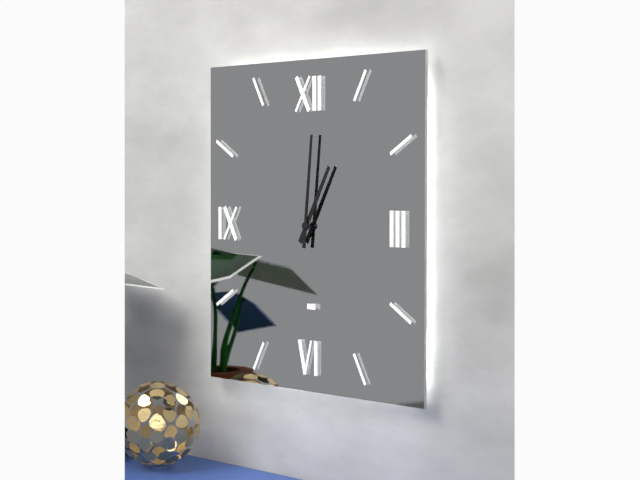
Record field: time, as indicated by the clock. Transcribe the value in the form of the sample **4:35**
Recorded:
**1:01**
